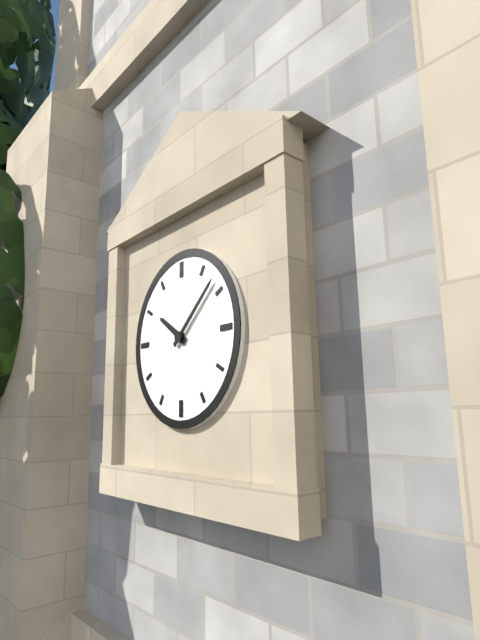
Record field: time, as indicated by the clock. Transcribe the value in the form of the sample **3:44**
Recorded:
**10:08**
